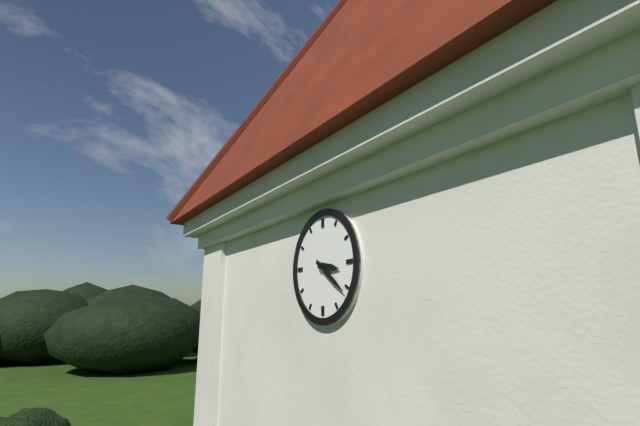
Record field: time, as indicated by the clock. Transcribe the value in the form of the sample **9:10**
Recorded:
**3:21**
